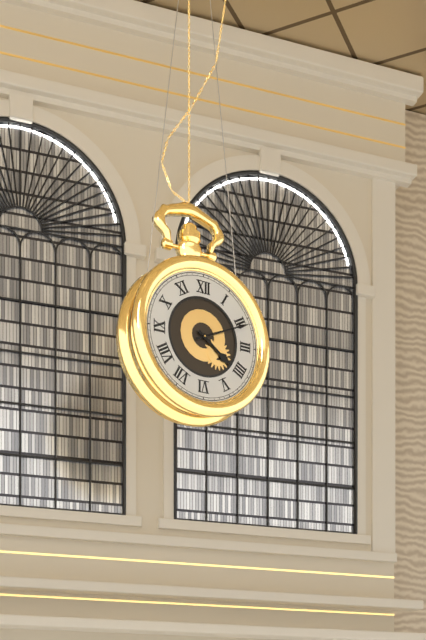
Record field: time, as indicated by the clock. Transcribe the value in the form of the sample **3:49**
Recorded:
**4:11**
